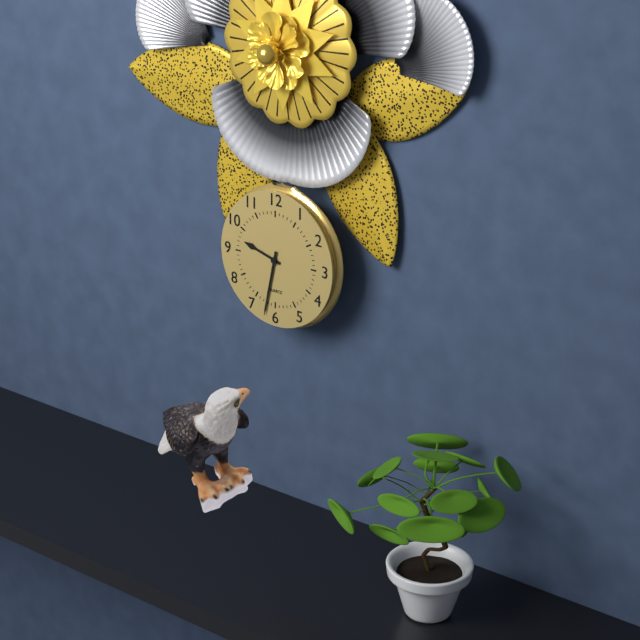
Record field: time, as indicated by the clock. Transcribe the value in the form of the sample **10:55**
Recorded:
**9:32**
